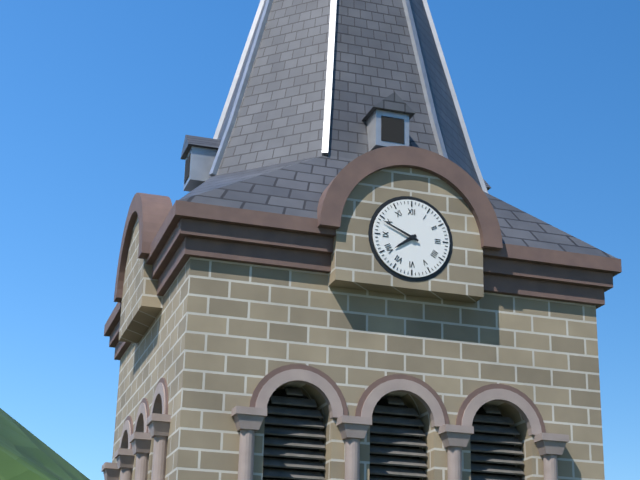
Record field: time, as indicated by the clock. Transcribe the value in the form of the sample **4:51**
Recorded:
**7:49**
